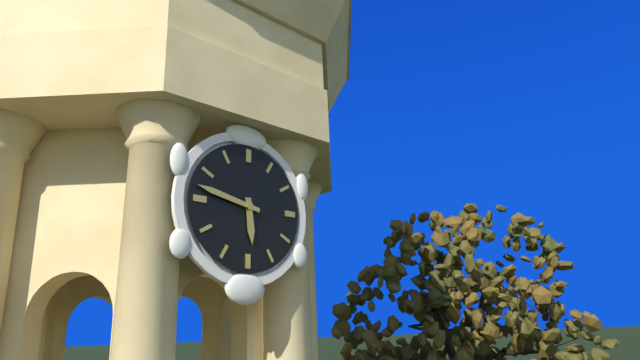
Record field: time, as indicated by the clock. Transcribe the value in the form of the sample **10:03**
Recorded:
**5:47**
